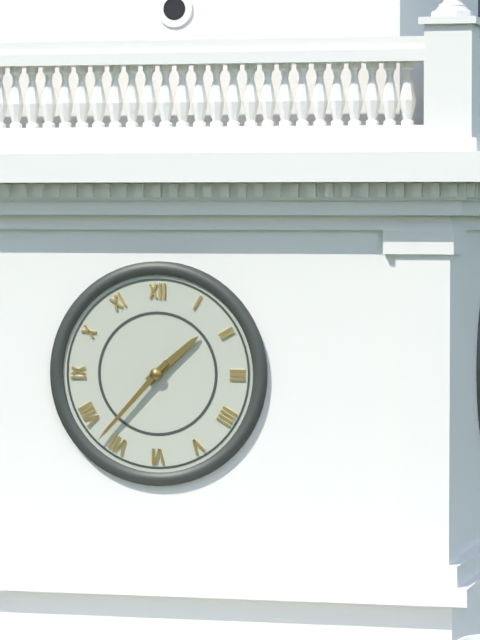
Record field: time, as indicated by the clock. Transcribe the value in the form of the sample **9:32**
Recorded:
**1:37**
